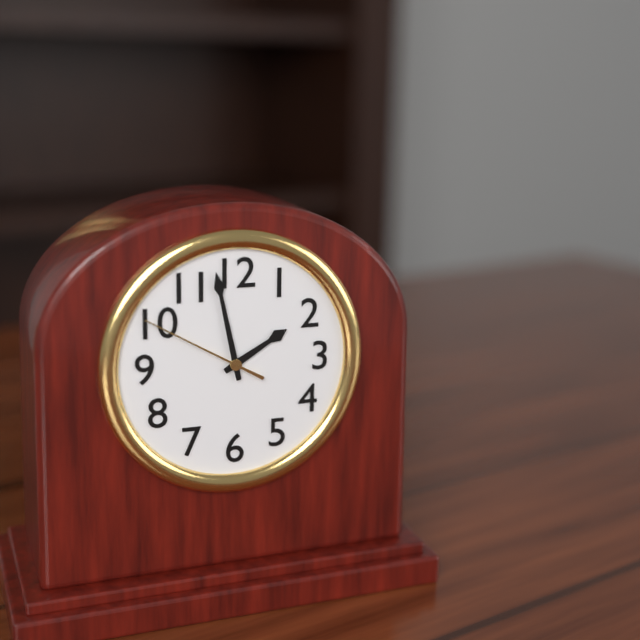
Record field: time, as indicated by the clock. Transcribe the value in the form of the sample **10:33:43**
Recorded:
**1:58:50**
